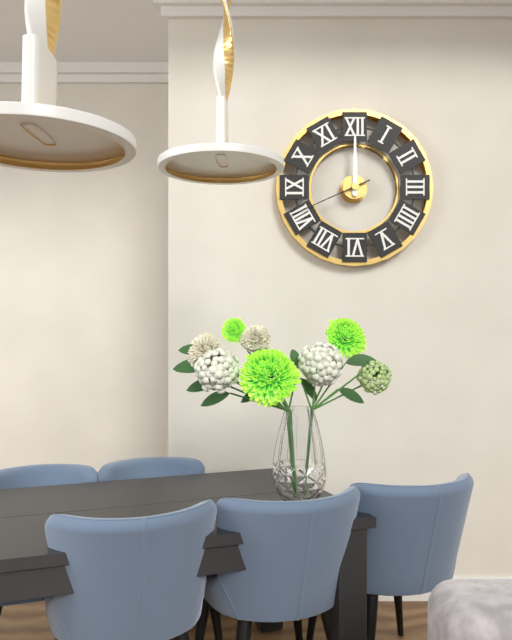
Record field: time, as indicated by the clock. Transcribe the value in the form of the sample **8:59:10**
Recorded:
**12:00:41**
